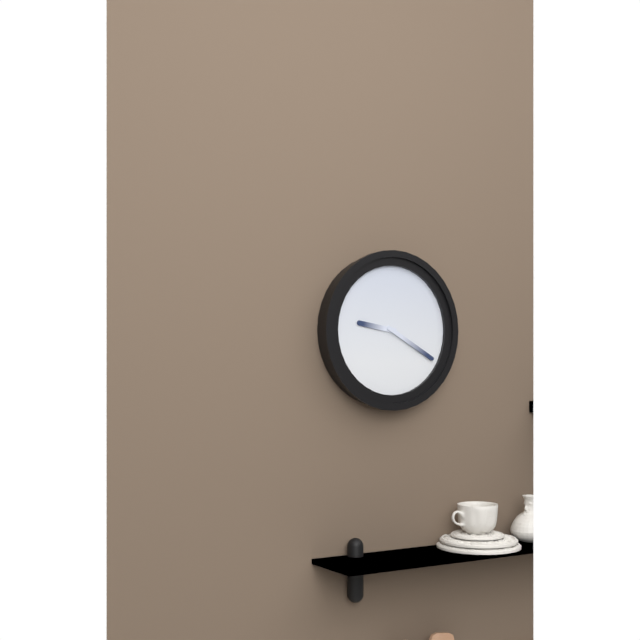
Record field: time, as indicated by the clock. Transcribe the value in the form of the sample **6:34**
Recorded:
**9:20**
